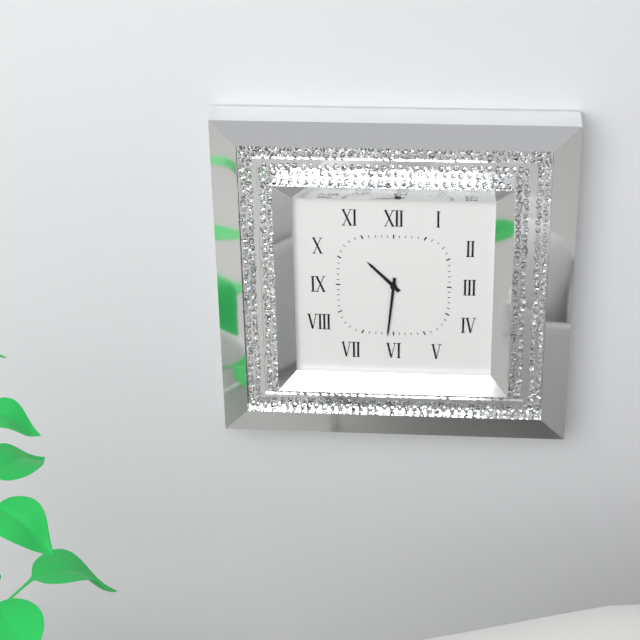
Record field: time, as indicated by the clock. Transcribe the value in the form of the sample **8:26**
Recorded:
**10:31**
